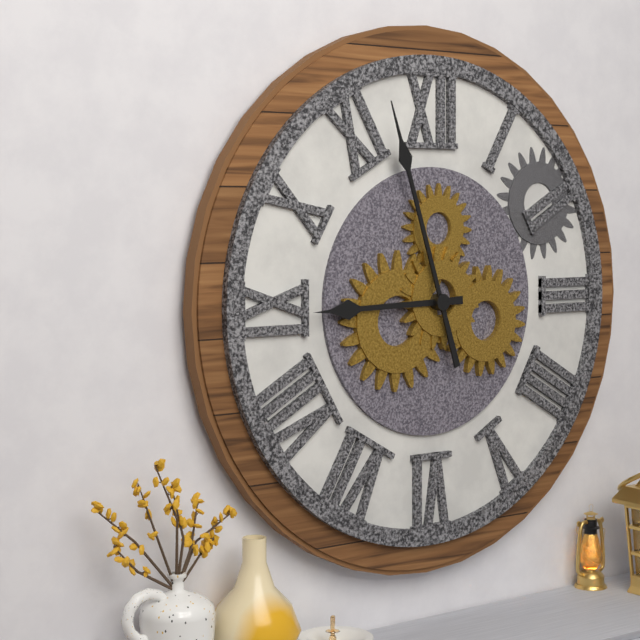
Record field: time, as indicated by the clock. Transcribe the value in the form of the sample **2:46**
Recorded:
**8:57**
